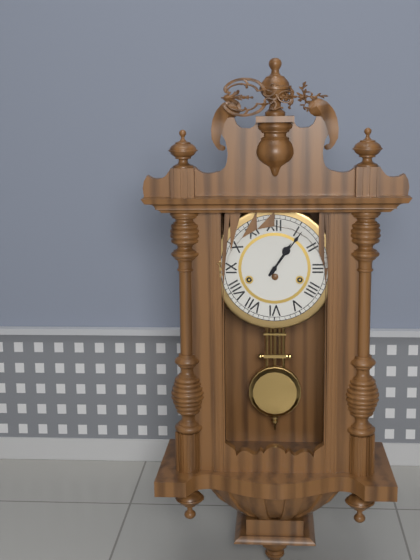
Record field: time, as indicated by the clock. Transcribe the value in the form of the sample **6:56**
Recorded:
**1:06**
